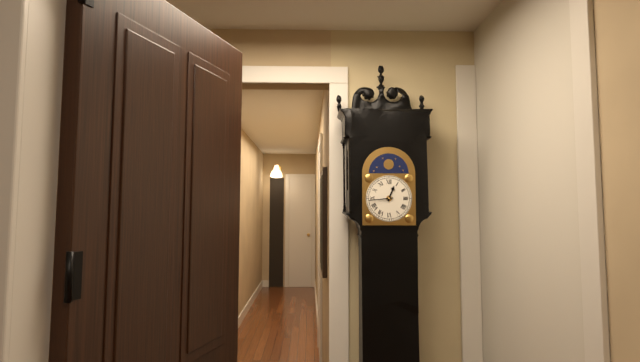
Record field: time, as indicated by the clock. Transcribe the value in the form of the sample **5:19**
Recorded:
**12:44**
